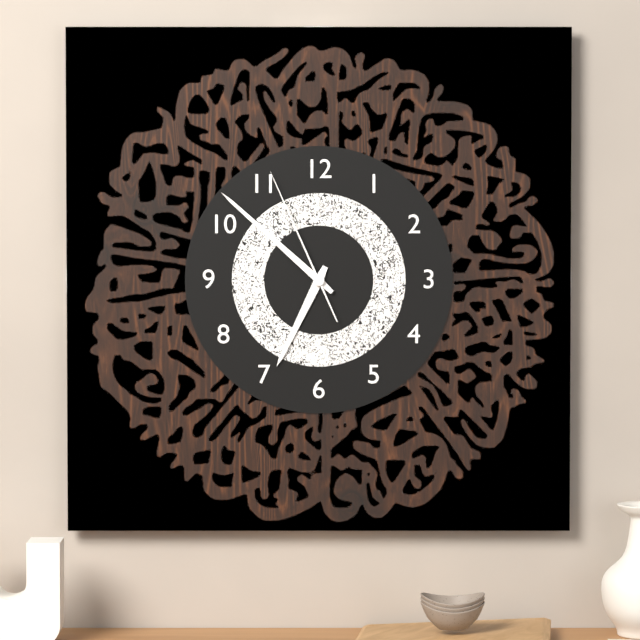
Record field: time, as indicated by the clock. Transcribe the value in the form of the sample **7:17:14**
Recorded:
**6:52:56**
